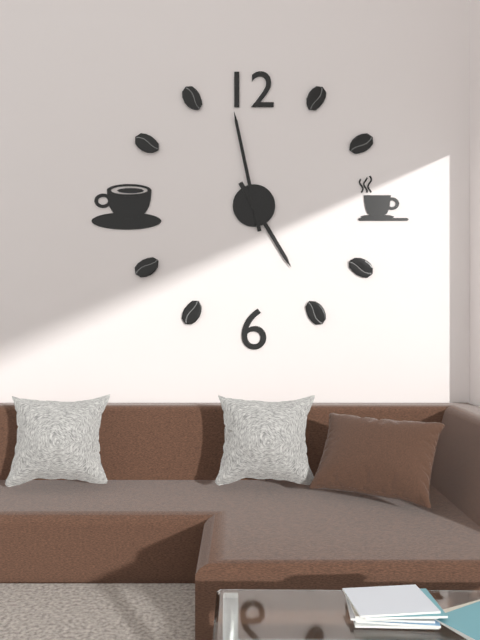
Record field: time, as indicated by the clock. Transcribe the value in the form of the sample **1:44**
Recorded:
**4:58**
